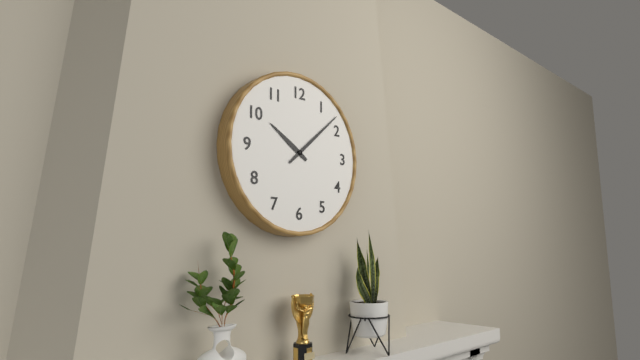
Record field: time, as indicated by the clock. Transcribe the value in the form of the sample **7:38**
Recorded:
**10:08**
